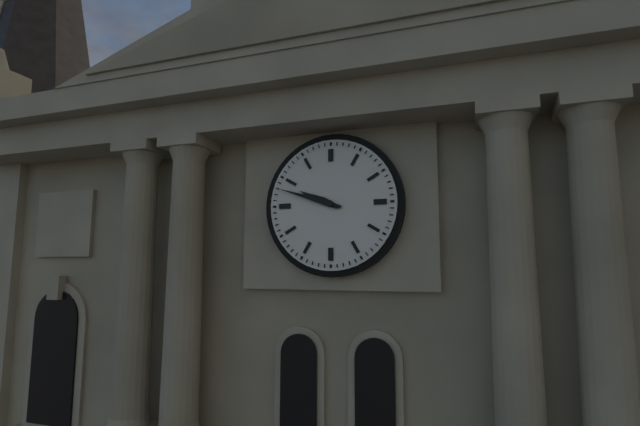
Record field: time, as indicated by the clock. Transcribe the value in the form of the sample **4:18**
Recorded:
**9:48**
